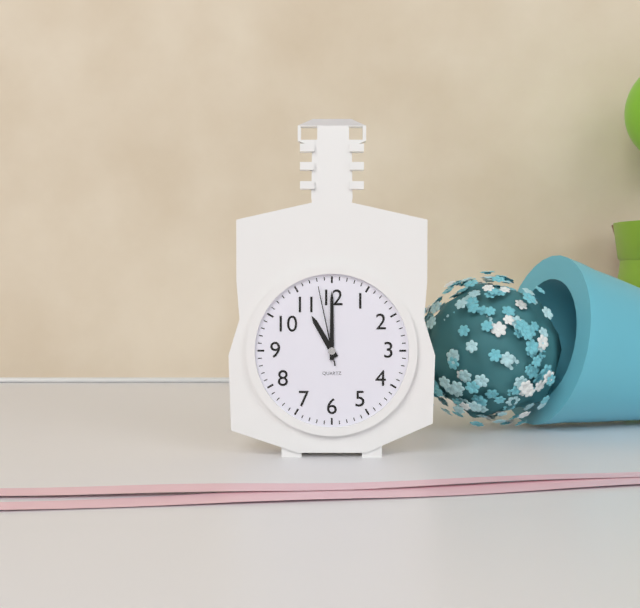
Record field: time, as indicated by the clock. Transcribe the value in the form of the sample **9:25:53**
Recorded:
**11:00:58**
